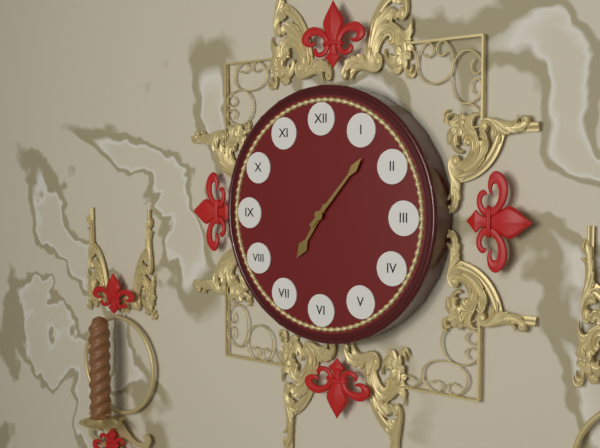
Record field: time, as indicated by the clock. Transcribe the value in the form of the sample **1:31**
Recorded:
**7:07**
